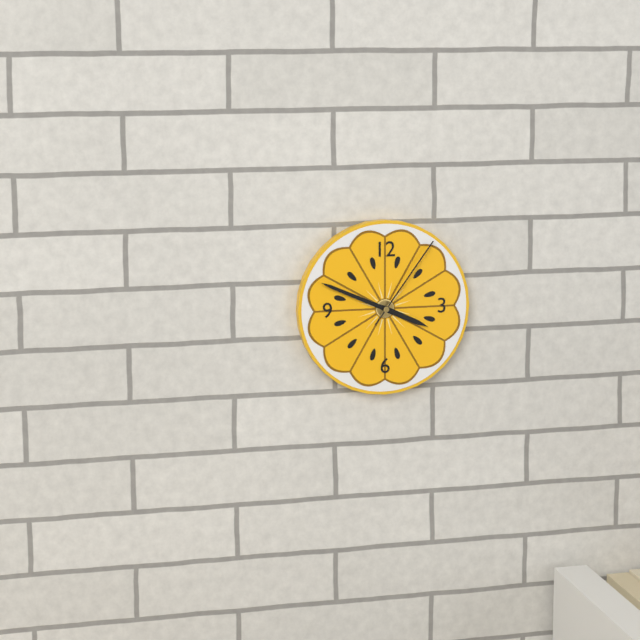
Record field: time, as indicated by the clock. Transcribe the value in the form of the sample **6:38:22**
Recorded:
**3:49:06**
